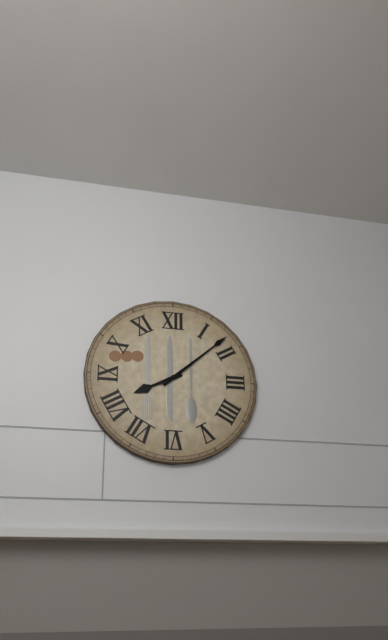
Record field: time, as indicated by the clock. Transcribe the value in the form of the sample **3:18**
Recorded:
**8:08**
